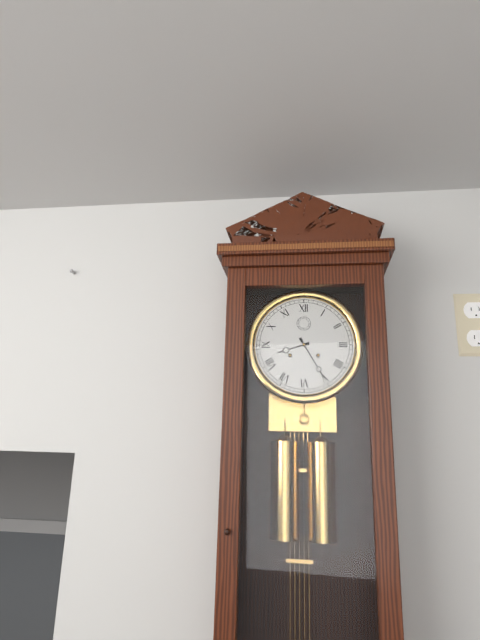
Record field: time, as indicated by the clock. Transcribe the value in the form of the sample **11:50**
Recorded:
**8:25**
